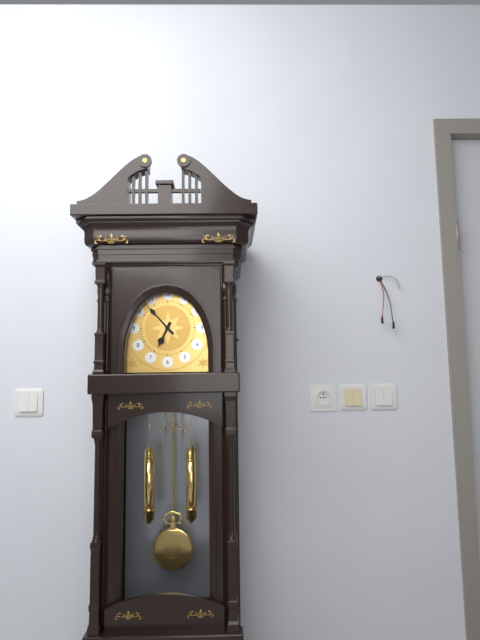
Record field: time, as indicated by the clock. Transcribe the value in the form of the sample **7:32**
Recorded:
**6:53**
